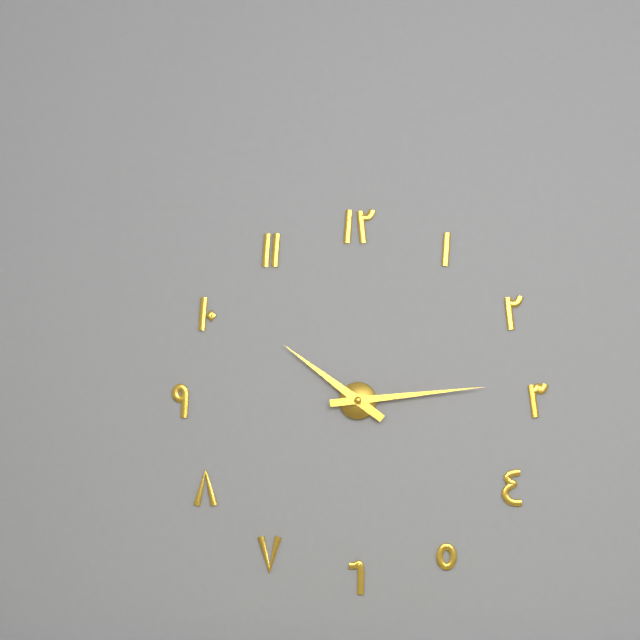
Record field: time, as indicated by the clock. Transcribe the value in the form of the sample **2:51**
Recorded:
**10:14**
